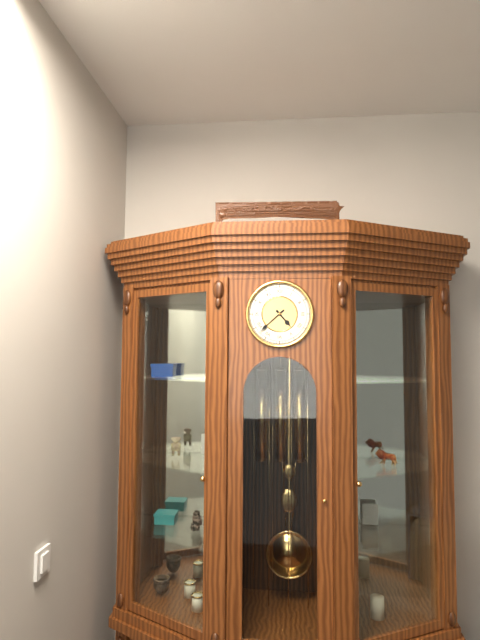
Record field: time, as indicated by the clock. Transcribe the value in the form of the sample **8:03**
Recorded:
**4:38**
